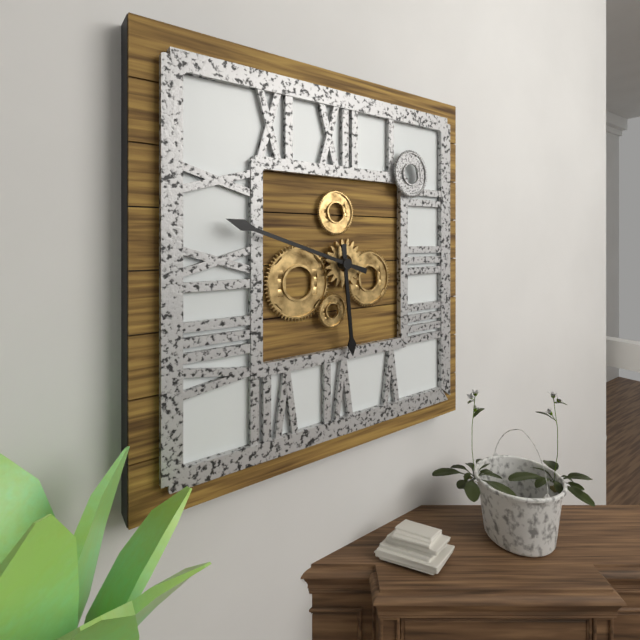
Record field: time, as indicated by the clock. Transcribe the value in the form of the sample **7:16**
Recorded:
**5:48**
